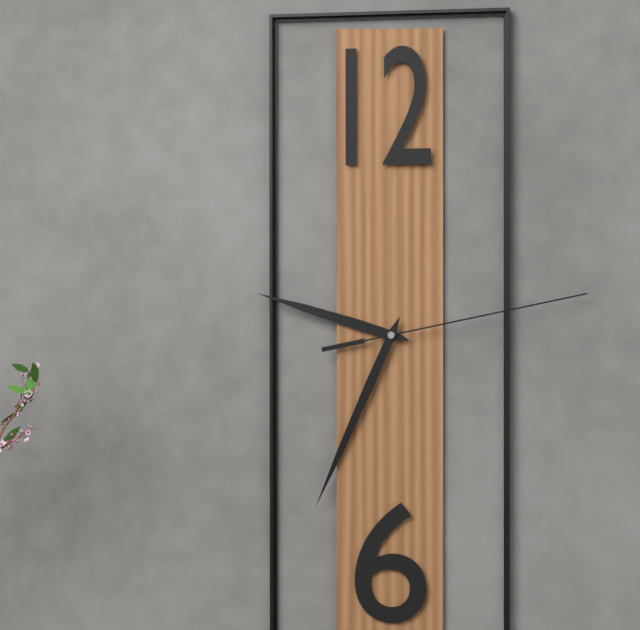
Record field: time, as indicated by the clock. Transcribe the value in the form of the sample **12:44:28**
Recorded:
**9:34:13**
